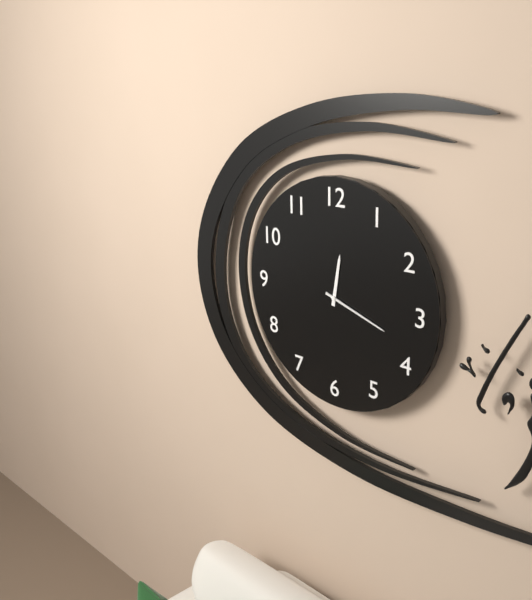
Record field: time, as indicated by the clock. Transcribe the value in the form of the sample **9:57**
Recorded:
**12:18**
